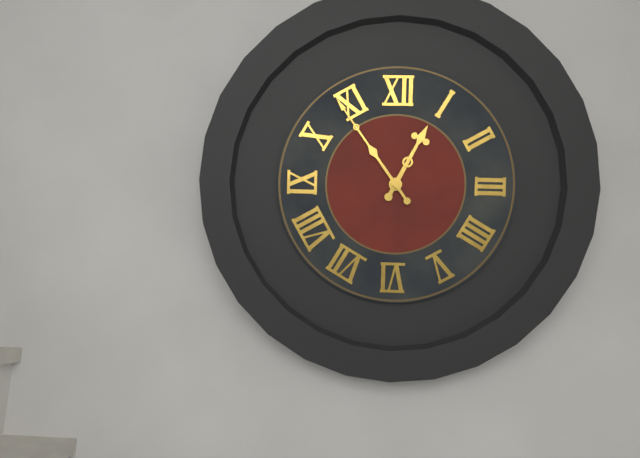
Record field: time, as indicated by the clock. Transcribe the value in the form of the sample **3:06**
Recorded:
**12:54**
